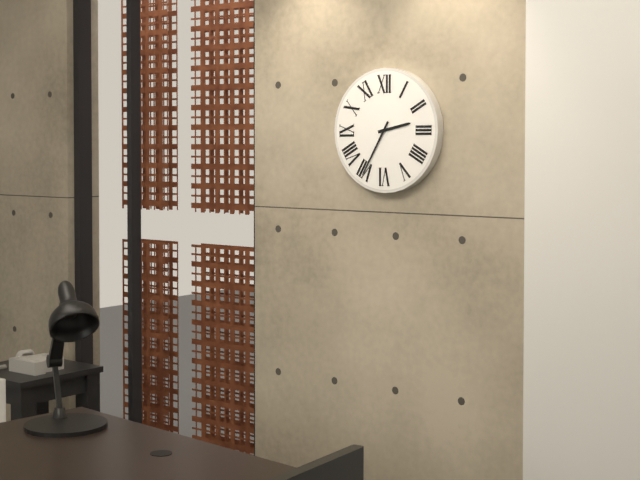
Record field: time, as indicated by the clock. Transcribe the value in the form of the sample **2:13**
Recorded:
**2:35**
